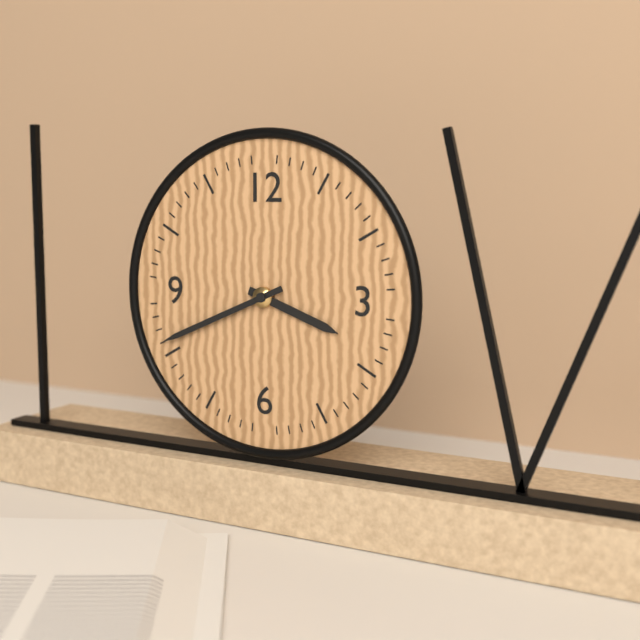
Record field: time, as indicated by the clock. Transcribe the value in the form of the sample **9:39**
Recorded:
**3:41**
